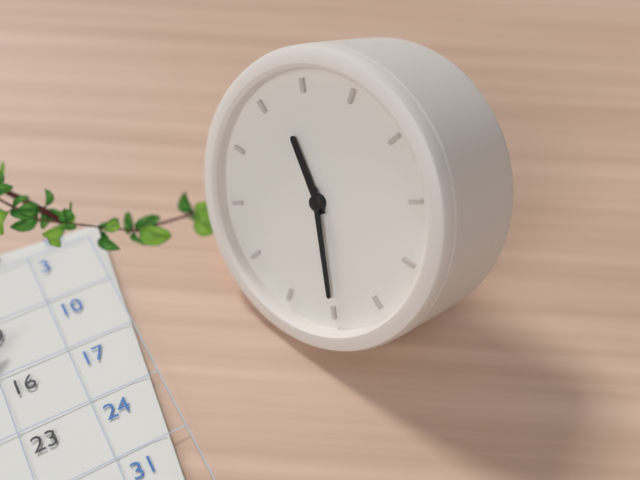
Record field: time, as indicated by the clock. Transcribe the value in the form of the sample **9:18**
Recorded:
**10:25**
